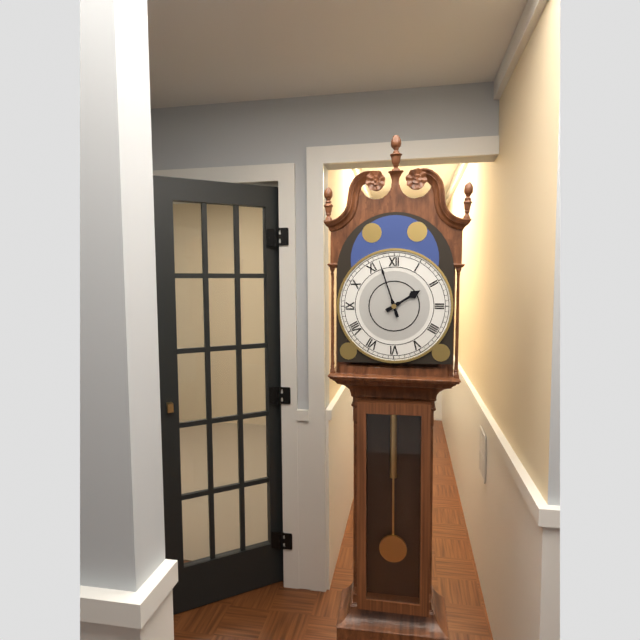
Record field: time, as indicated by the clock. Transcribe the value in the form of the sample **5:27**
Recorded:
**1:57**
